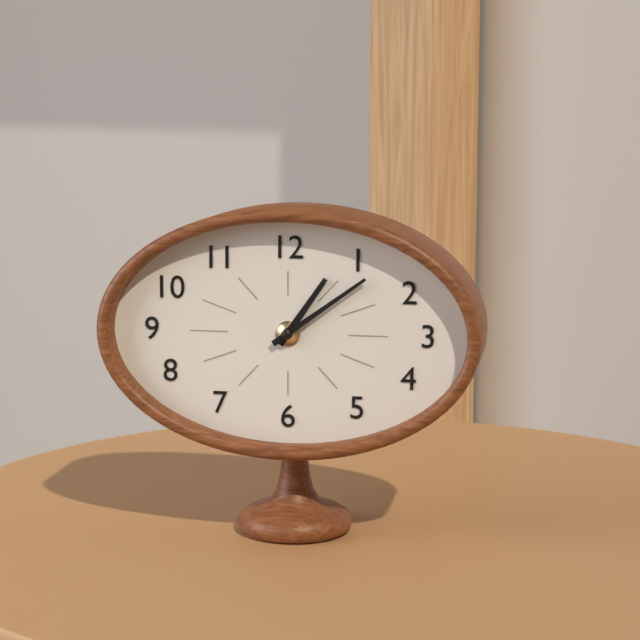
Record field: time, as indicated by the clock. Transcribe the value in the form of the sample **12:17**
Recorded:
**1:09**
